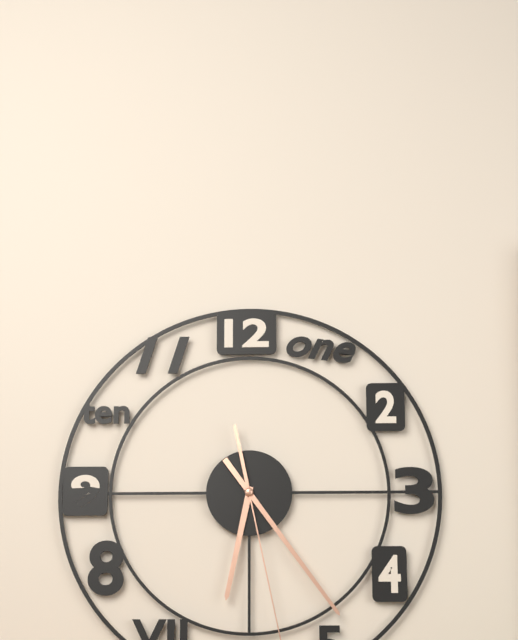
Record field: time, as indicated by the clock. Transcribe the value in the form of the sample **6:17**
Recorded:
**6:24**
